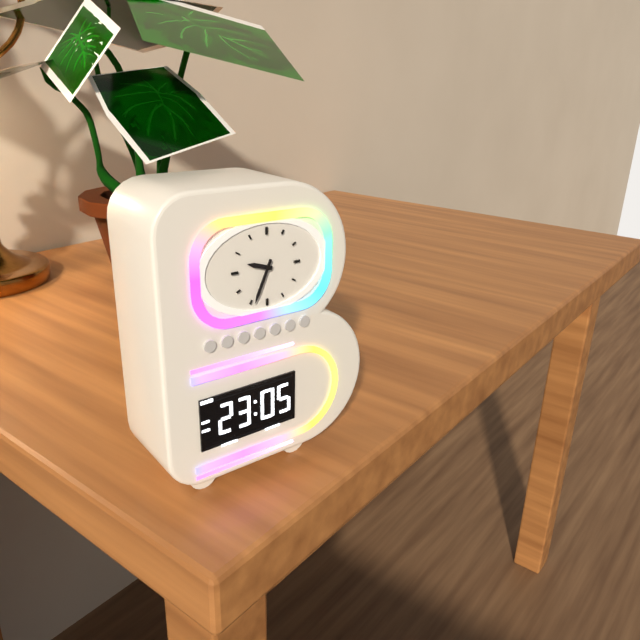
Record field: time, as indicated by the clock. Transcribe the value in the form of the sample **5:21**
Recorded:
**9:34**
